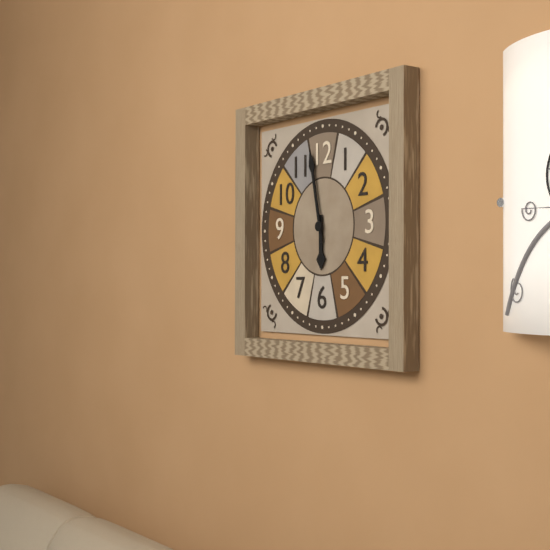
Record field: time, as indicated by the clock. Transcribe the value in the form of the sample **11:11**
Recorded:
**5:58**
